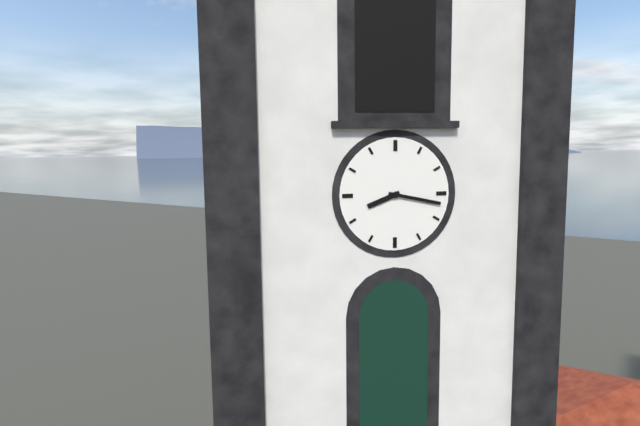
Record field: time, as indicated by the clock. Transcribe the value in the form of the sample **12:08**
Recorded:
**8:17**
